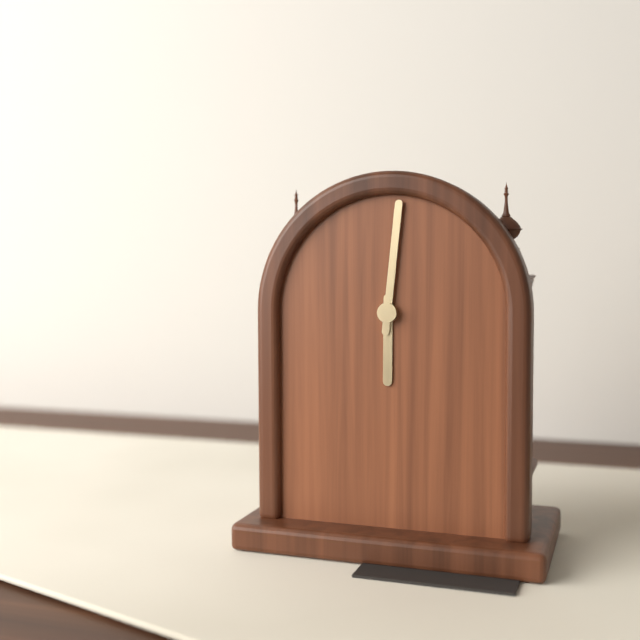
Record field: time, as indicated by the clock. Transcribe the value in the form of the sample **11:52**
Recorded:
**6:01**
